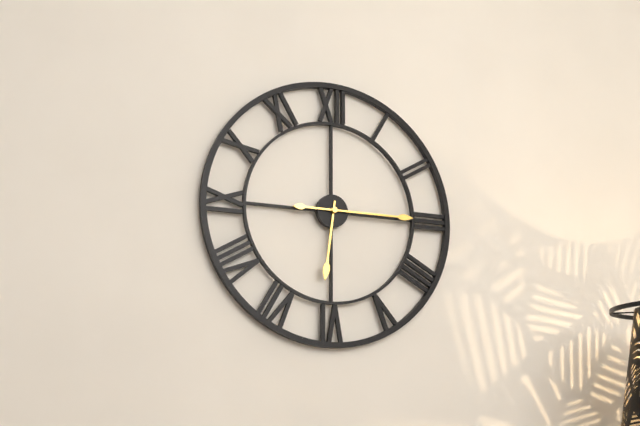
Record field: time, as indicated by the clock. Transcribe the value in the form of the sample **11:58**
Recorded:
**6:15**
